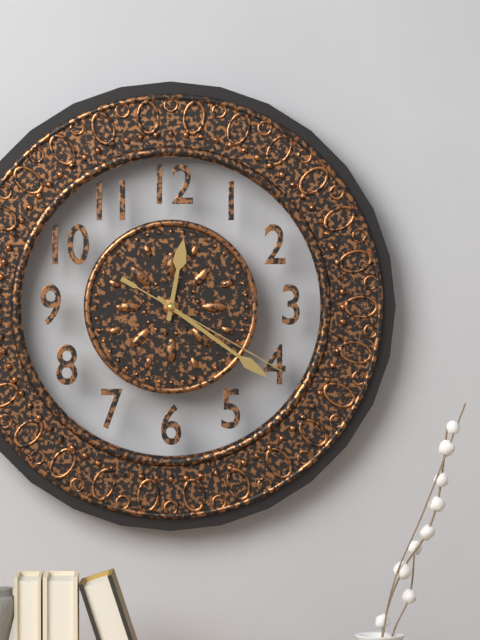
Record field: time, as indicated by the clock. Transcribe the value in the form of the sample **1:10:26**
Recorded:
**12:21:20**
